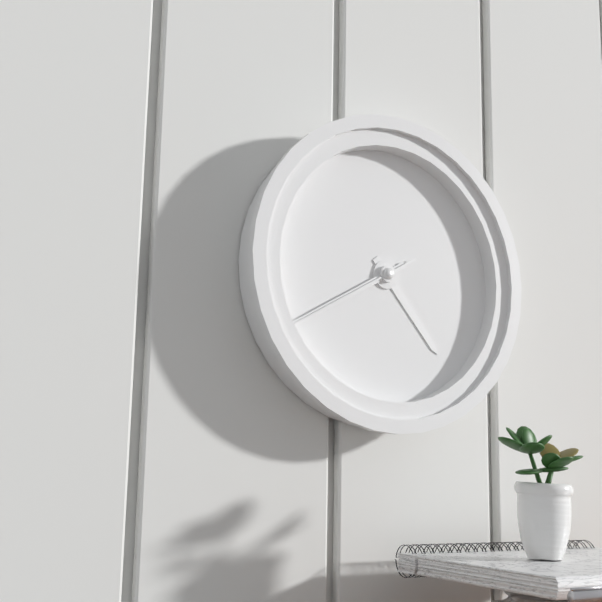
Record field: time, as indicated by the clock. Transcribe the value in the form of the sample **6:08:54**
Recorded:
**4:40:40**
